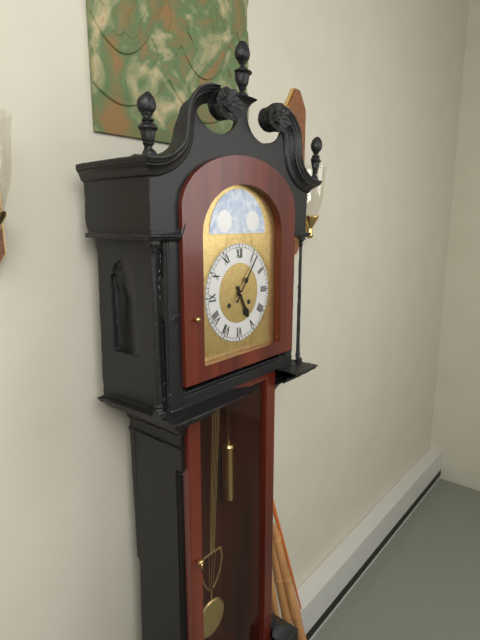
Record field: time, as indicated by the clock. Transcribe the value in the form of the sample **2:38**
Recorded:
**5:06**
